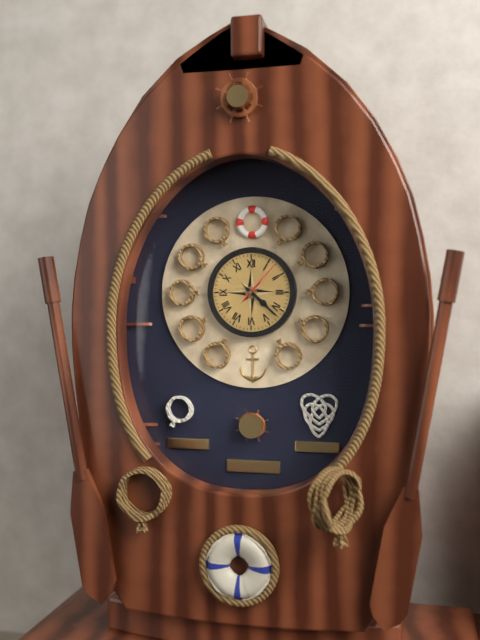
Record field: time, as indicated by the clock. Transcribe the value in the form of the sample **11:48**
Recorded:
**4:22**
